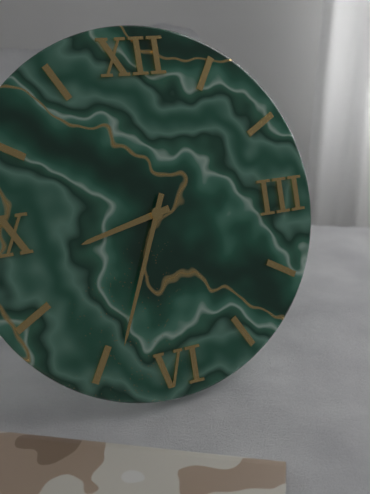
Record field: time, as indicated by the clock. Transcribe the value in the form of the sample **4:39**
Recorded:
**8:34**
